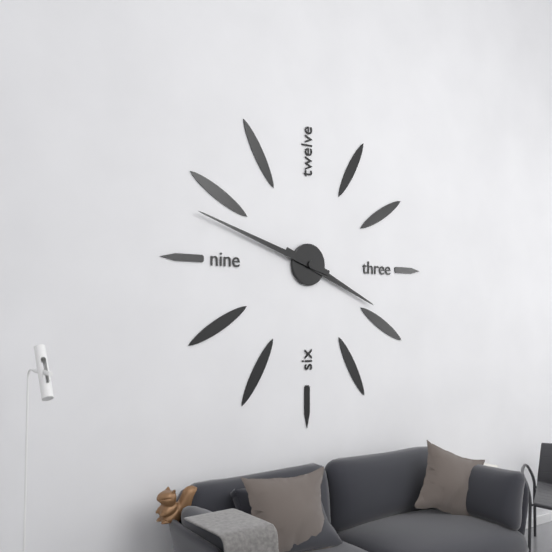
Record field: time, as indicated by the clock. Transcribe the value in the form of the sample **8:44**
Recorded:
**3:48**
